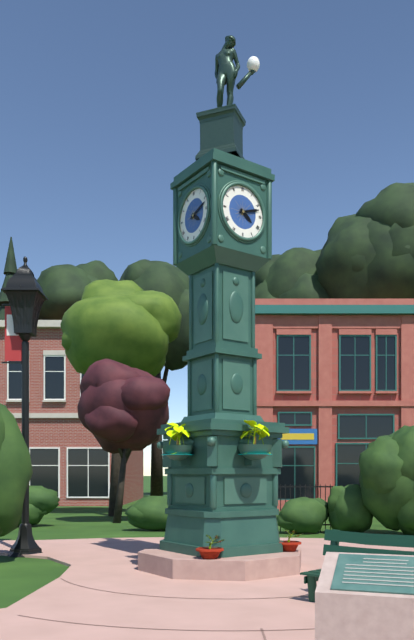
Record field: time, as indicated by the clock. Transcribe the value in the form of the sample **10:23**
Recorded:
**4:12**
